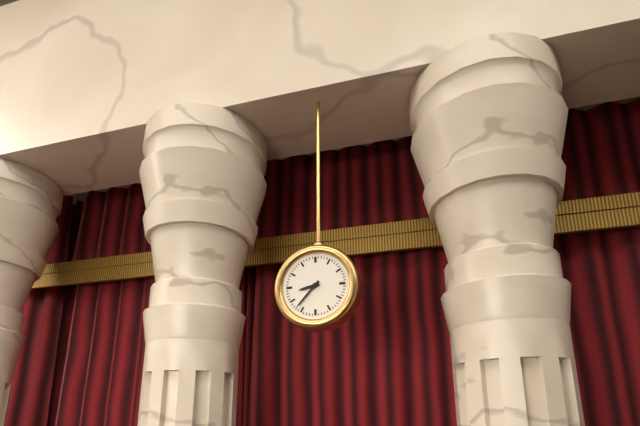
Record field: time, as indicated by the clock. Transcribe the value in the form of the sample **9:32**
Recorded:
**8:37**
